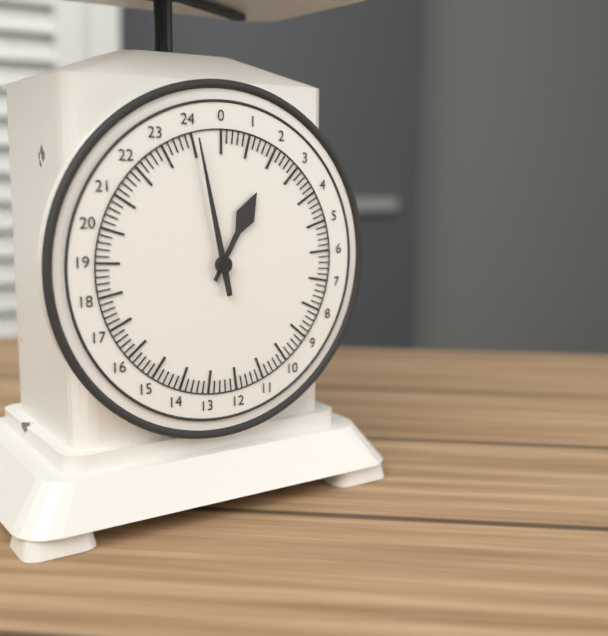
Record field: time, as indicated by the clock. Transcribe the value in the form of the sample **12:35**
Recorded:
**12:58**
